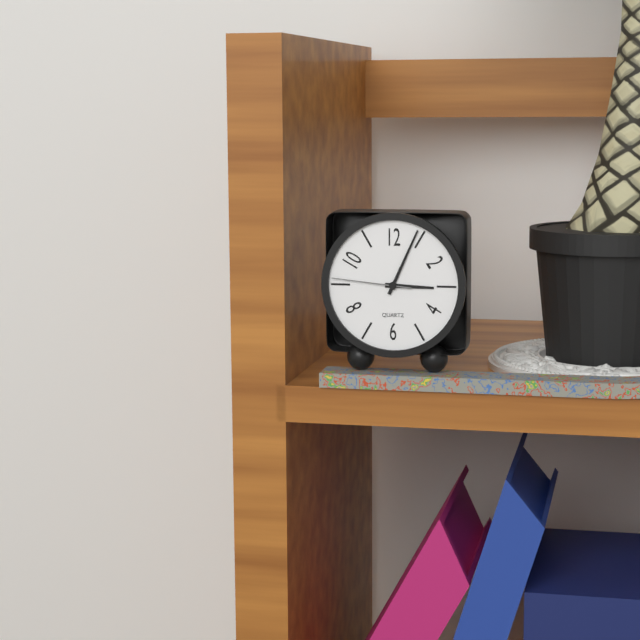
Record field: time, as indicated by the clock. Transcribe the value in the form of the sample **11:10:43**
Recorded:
**3:04:46**
